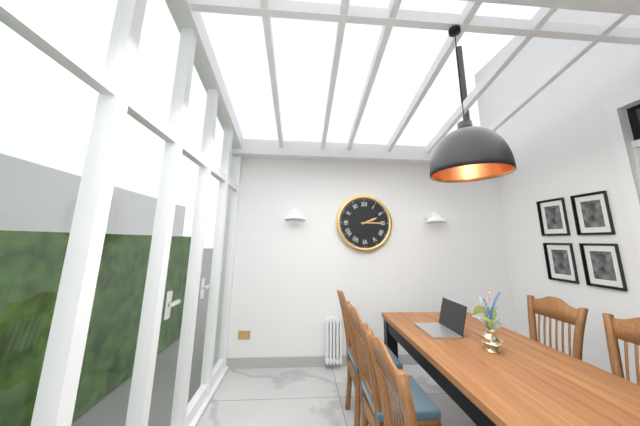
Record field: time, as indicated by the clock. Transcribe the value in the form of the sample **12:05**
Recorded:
**2:15**
